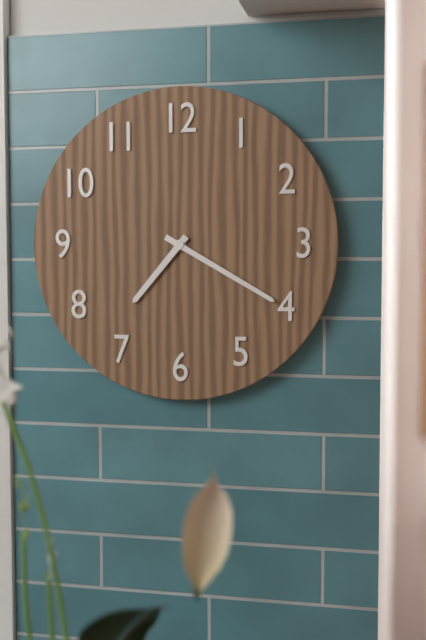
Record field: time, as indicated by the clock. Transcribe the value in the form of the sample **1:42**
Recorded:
**7:20**
